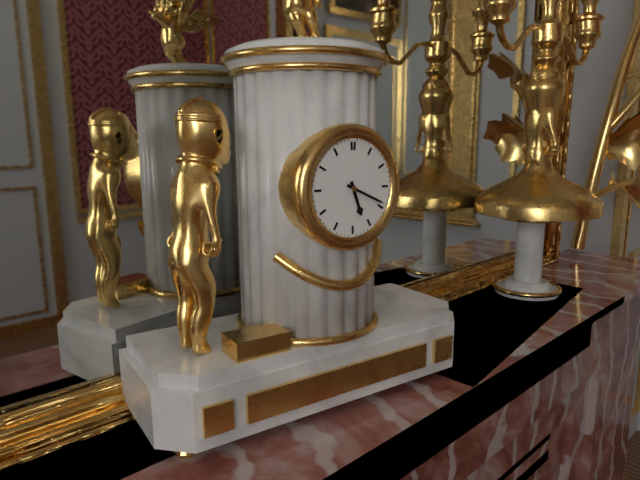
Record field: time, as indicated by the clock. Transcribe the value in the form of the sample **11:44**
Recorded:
**5:19**
